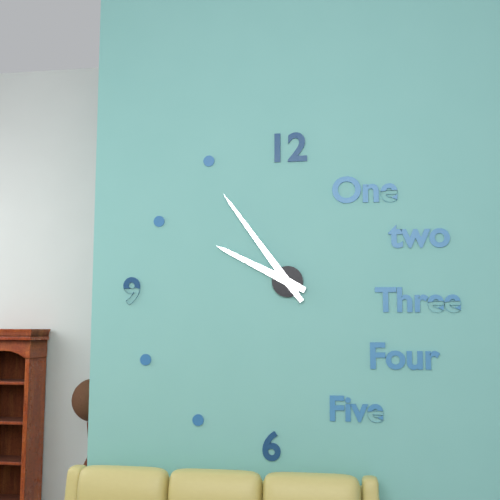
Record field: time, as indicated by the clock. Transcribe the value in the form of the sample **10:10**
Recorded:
**9:54**
